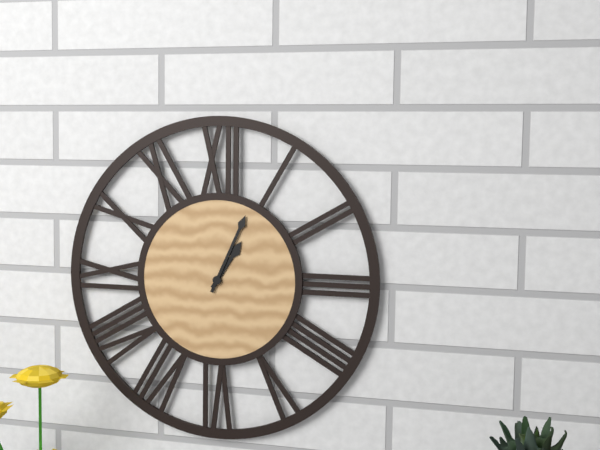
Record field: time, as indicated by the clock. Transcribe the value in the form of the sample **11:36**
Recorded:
**1:04**
